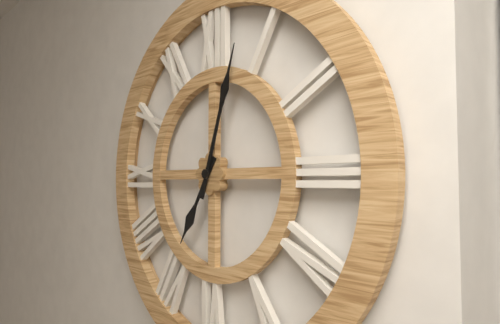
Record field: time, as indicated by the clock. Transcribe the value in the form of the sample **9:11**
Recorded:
**7:03**
